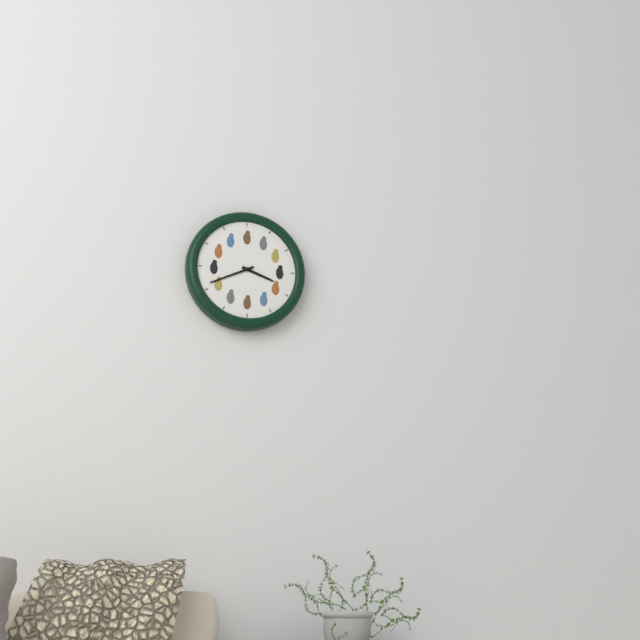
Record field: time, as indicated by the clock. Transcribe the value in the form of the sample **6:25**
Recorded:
**3:41**
